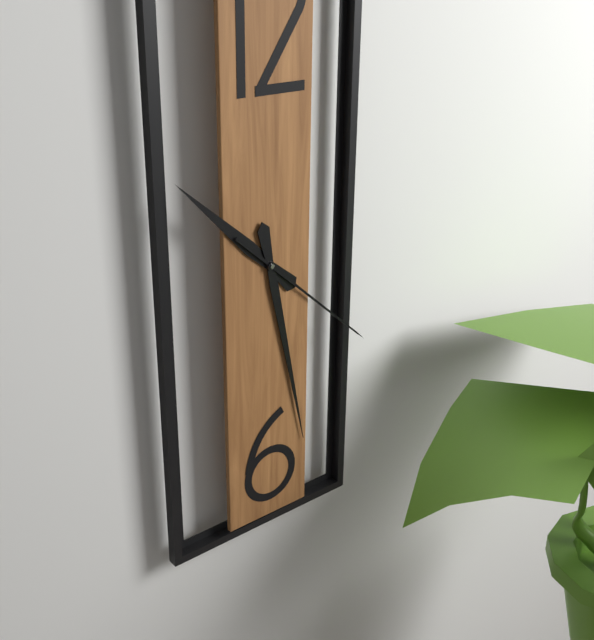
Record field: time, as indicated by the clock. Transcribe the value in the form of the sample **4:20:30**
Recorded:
**10:28:22**
